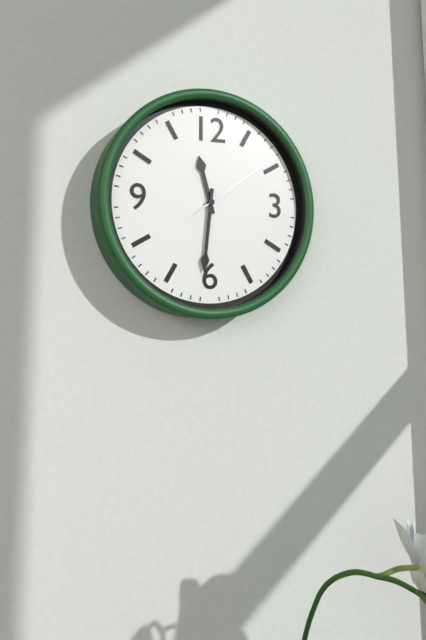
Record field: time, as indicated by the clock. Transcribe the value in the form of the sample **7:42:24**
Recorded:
**11:31:09**
